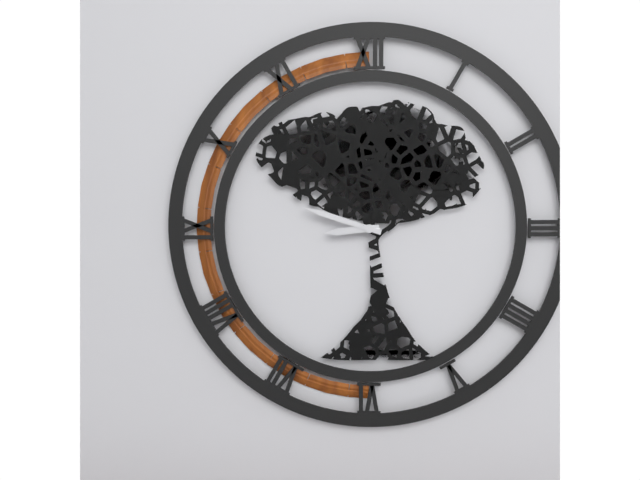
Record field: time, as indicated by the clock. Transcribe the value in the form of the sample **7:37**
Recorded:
**8:48**
